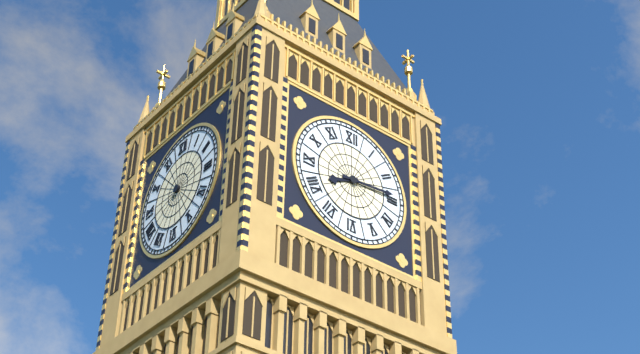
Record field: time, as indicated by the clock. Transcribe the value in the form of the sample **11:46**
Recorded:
**8:14**
